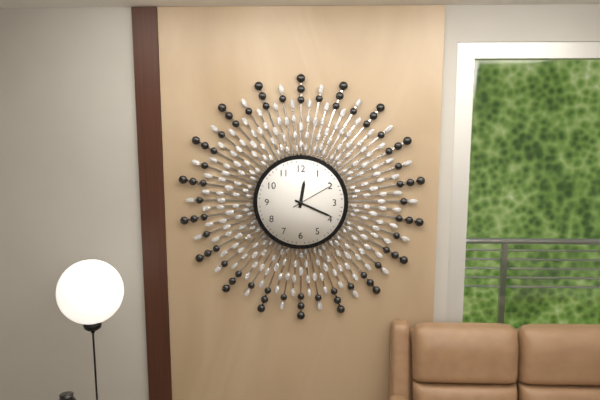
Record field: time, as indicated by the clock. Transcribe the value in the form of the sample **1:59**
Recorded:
**12:19**
